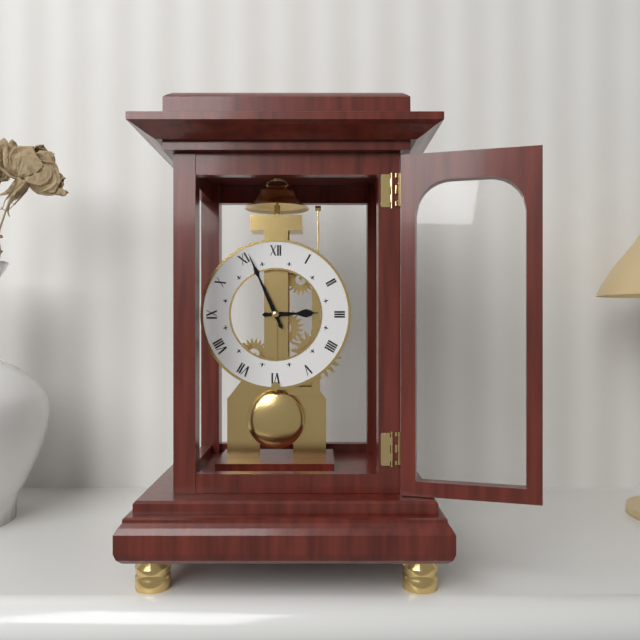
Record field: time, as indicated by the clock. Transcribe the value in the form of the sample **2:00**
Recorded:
**2:56**
